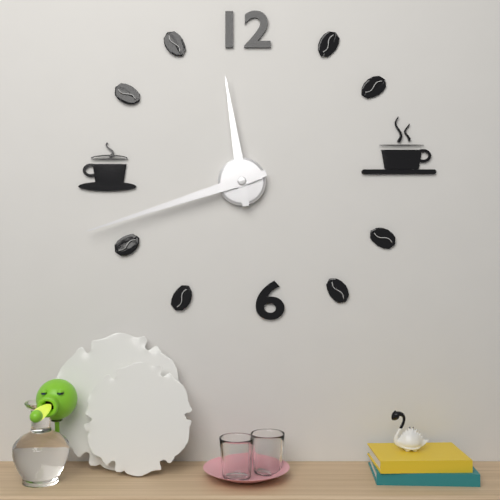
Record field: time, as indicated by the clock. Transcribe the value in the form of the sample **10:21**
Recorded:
**11:42**
